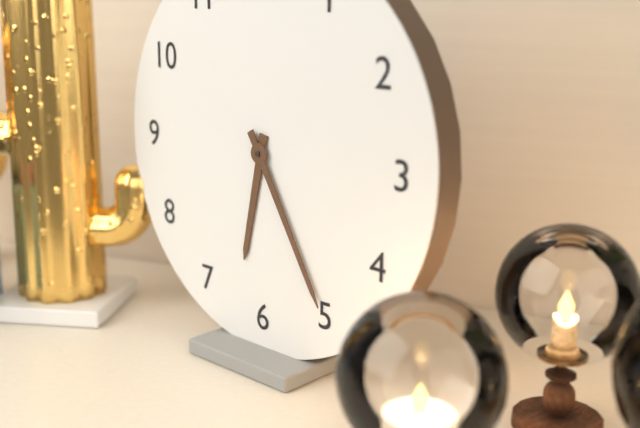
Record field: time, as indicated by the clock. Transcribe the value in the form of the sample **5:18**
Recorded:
**6:25**
